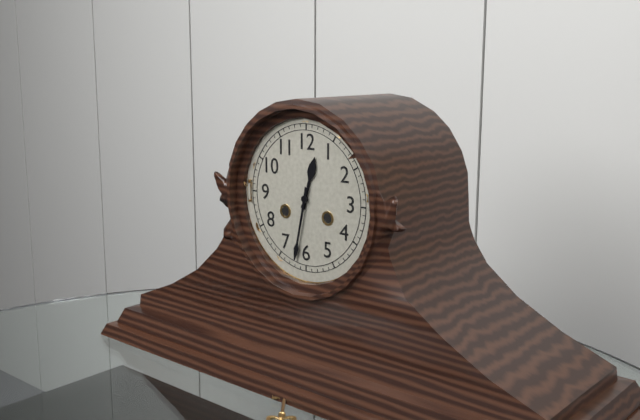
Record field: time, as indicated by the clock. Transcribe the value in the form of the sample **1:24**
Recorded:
**12:32**
